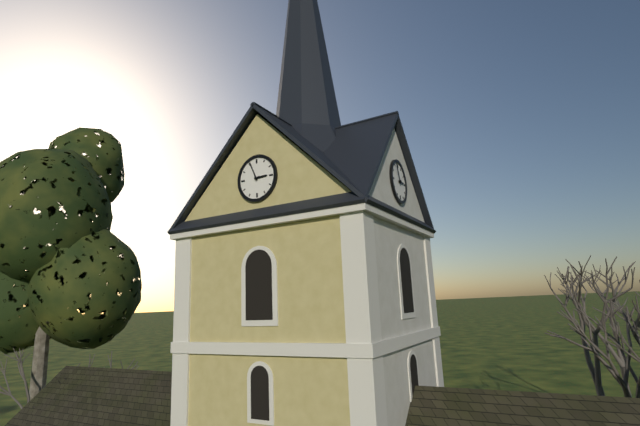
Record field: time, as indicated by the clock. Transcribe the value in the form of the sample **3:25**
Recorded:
**2:56**
